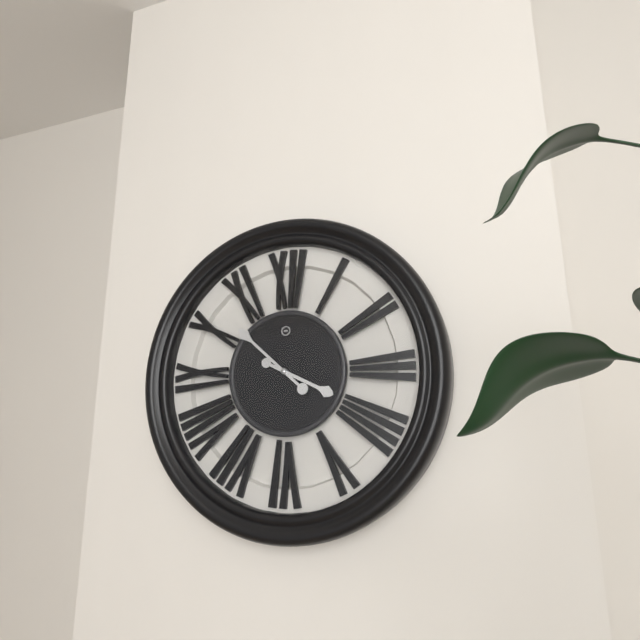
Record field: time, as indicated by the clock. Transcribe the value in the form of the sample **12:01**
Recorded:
**3:52**
